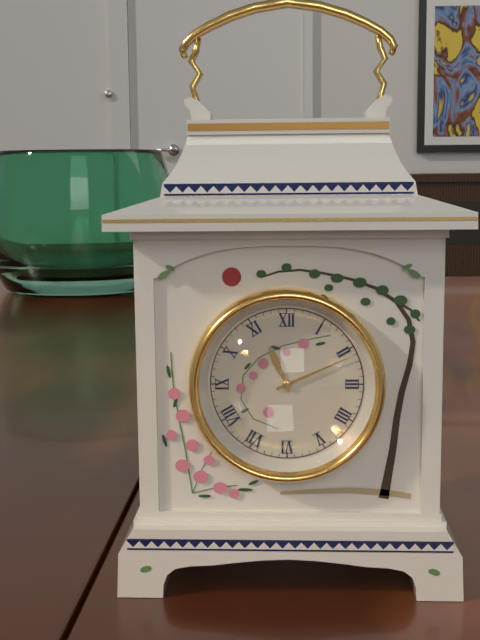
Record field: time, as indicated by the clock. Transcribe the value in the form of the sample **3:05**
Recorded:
**11:11**
